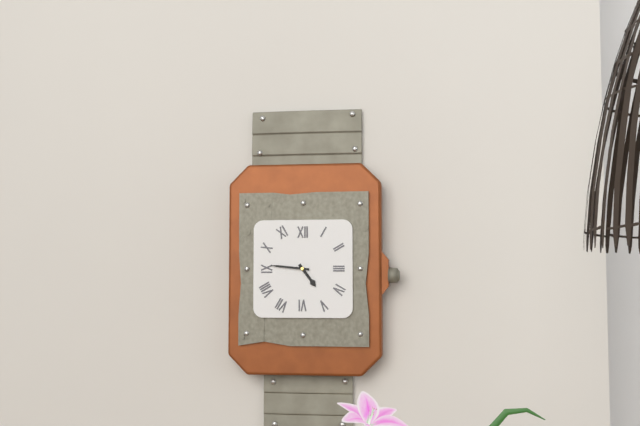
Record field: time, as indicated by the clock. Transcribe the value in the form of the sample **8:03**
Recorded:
**4:46**
